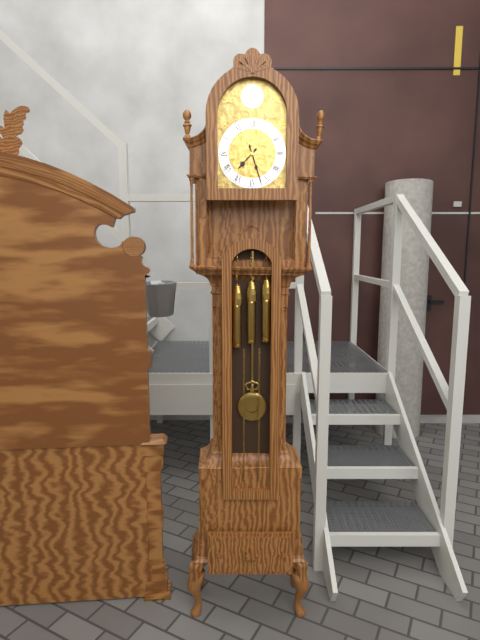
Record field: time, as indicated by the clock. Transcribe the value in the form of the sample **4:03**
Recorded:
**7:27**
